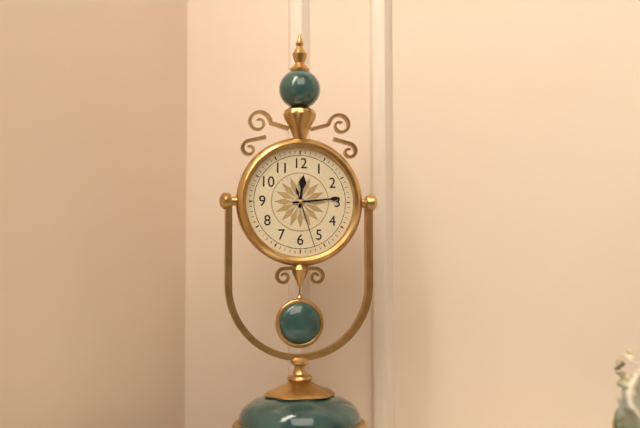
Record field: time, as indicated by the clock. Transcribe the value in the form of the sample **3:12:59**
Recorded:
**12:14:27**
